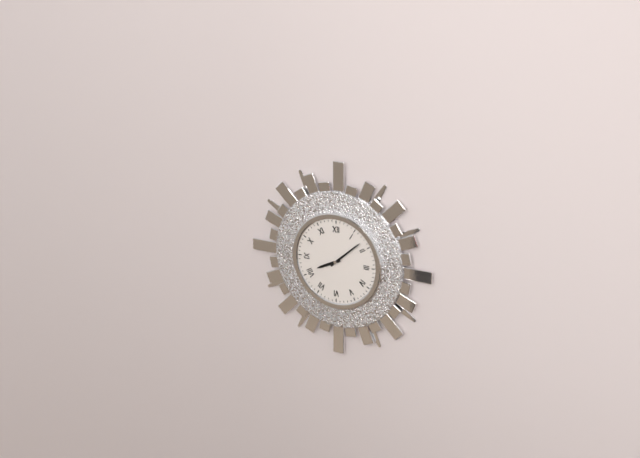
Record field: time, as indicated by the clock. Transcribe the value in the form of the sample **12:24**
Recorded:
**8:08**
